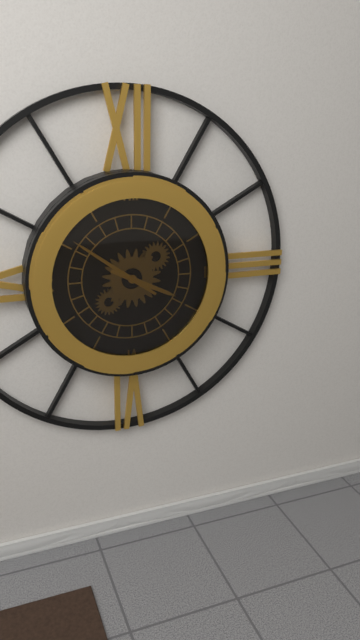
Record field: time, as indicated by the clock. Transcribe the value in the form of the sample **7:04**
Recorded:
**3:51**
